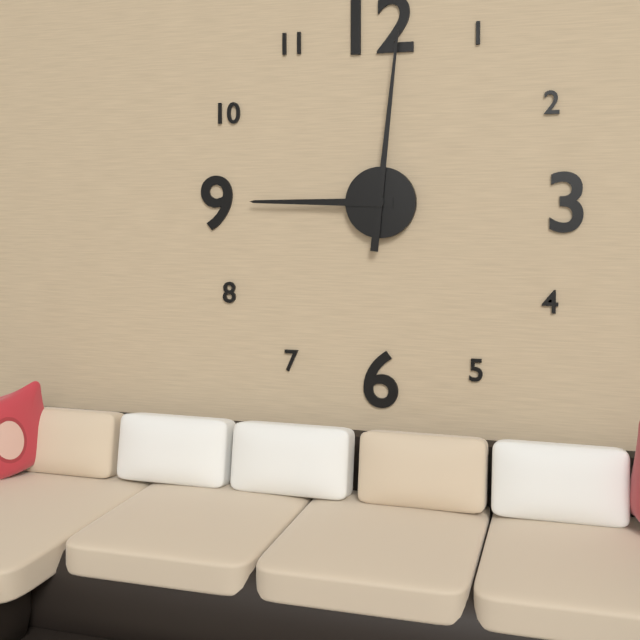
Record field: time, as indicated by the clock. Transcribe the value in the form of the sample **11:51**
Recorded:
**9:01**
